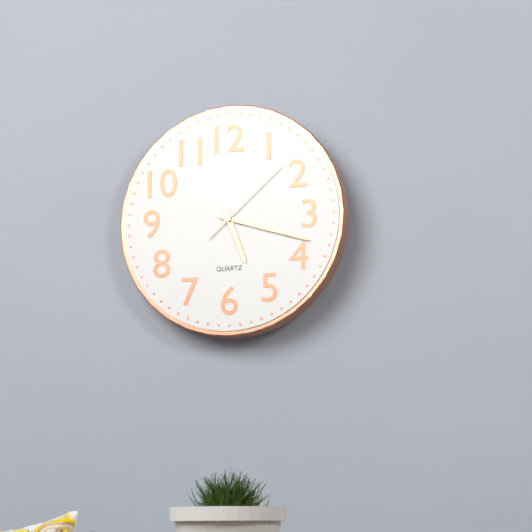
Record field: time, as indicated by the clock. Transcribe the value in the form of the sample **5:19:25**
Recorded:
**5:18:08**
